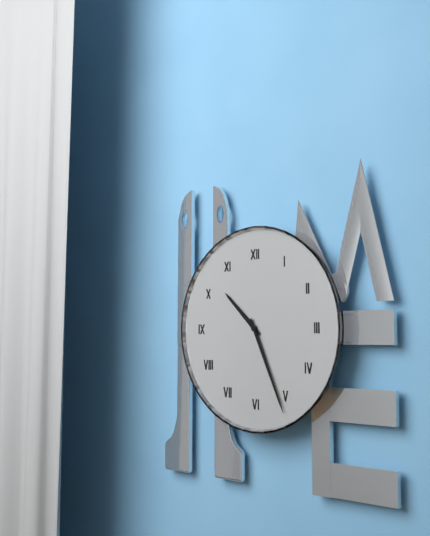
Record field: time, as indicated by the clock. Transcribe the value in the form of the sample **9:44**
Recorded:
**10:26**
